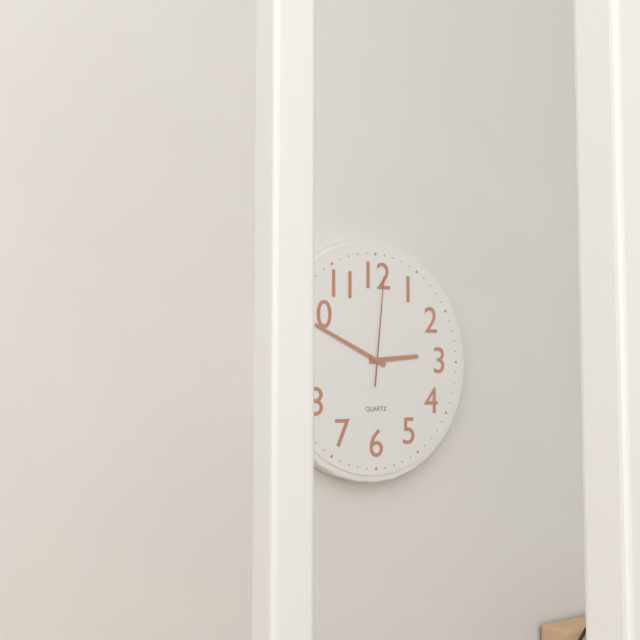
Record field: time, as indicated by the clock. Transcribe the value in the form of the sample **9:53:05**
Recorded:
**2:49:01**
